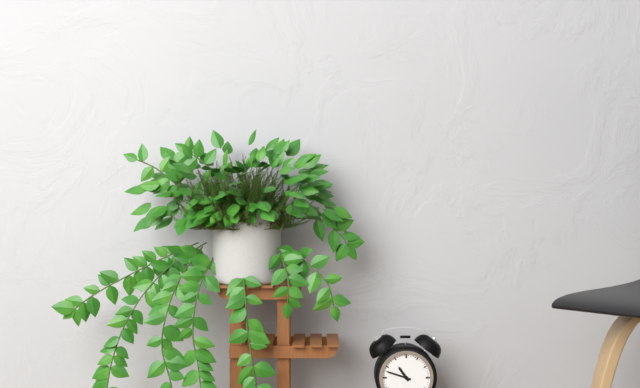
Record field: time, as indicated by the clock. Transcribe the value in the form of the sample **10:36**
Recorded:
**10:48**
